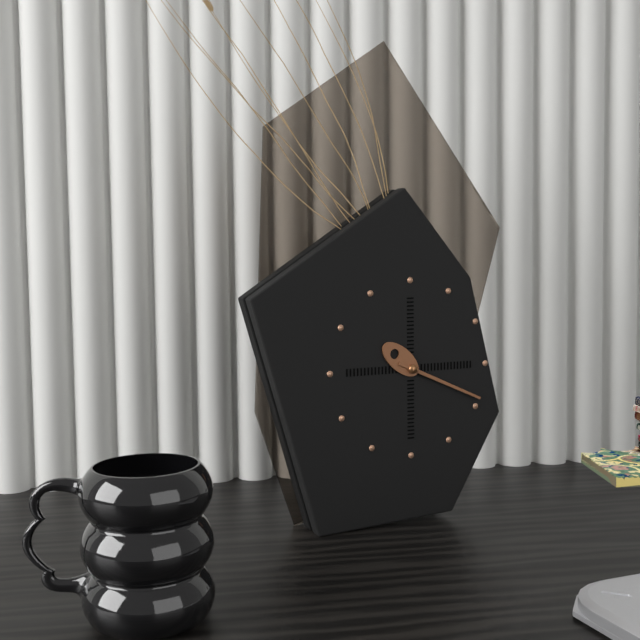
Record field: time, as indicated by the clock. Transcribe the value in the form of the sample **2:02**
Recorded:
**10:19**
